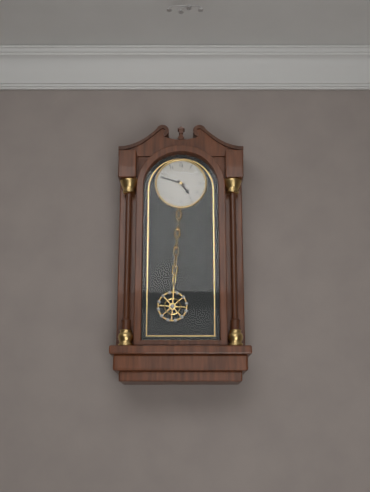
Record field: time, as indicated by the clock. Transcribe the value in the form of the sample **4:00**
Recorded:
**4:48**
